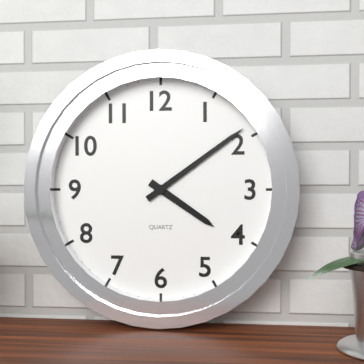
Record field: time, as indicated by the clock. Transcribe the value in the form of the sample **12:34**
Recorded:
**4:09**
